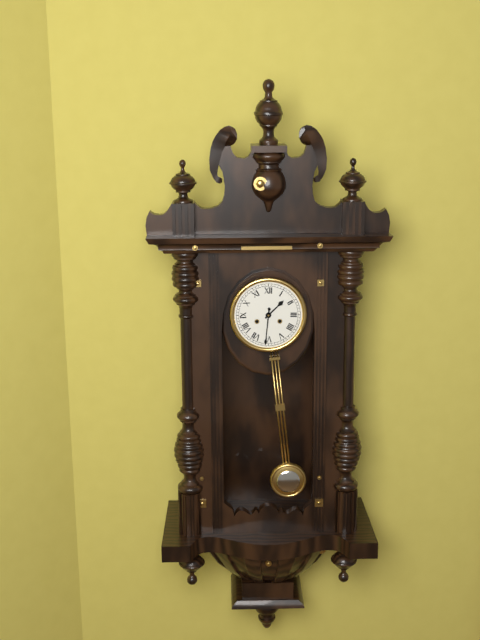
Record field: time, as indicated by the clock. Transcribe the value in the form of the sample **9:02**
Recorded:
**1:31**
